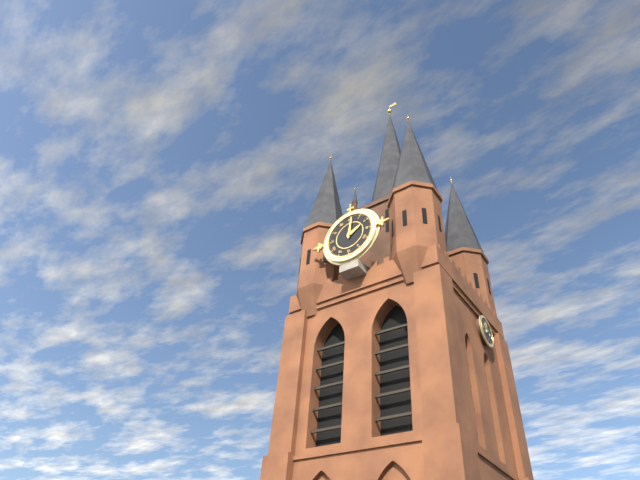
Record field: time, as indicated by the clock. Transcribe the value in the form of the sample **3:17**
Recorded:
**2:01**
